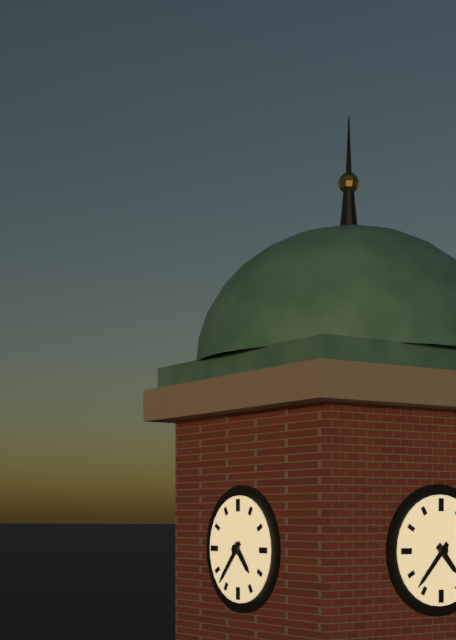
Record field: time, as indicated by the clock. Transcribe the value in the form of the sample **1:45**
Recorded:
**4:37**
